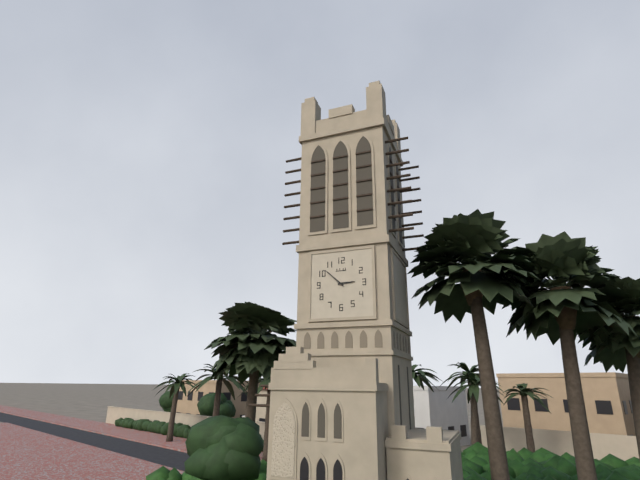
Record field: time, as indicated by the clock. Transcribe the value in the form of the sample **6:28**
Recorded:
**2:52**
